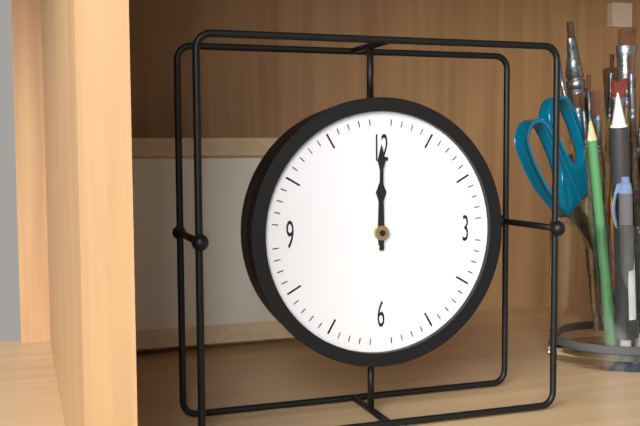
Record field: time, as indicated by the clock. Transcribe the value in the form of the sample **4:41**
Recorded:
**12:00**
